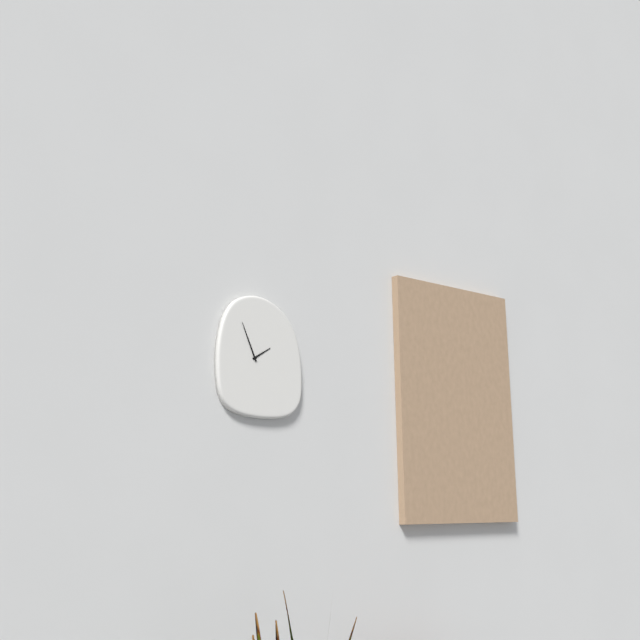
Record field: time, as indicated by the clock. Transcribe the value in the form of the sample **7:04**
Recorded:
**1:56**
